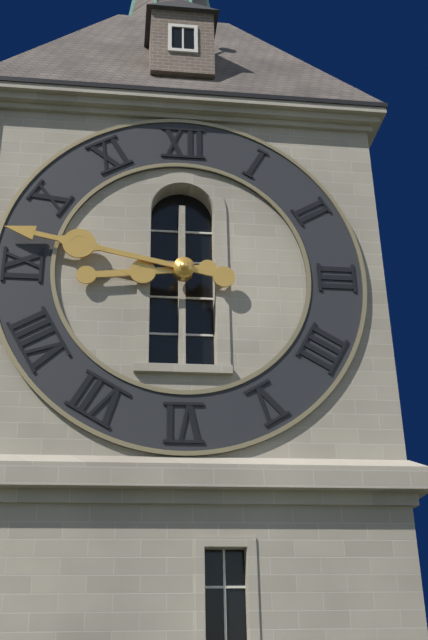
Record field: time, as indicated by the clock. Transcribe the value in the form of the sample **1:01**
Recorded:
**8:47**
